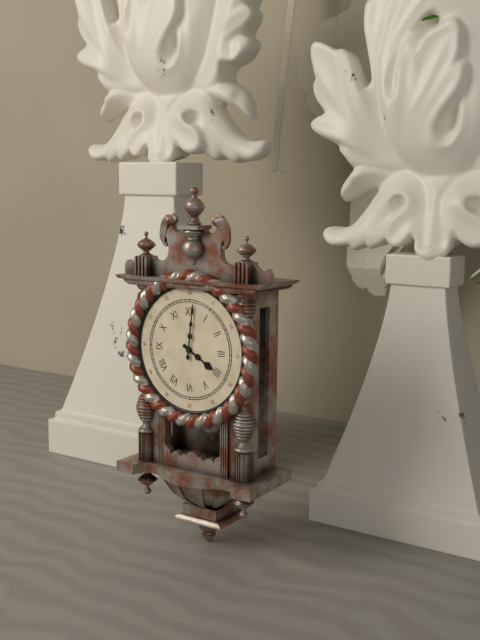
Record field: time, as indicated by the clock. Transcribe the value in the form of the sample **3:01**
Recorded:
**4:01**
